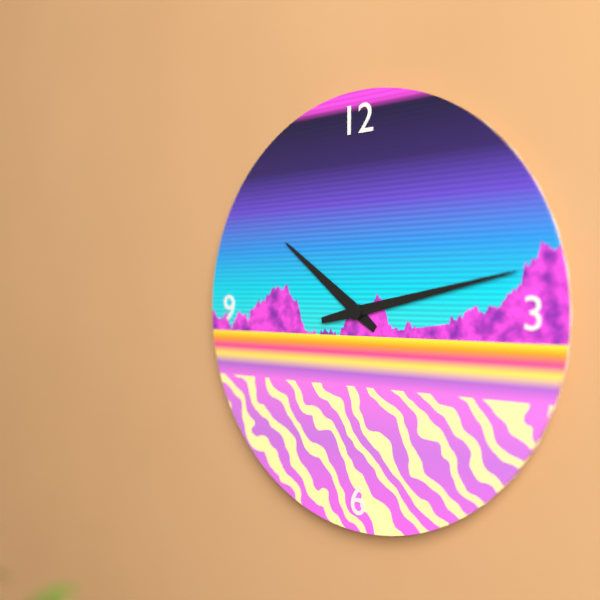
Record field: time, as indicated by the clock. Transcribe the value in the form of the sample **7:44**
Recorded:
**10:13**
